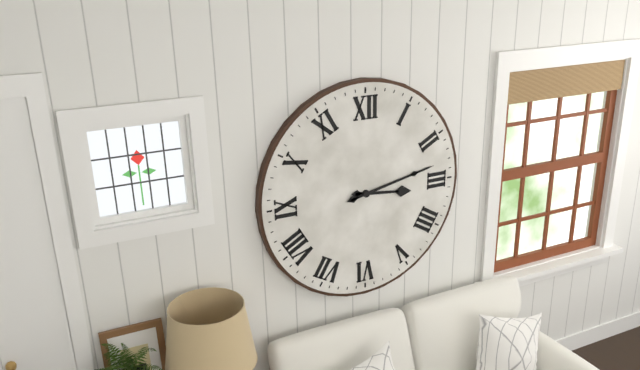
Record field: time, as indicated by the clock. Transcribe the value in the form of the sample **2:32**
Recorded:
**3:13**
